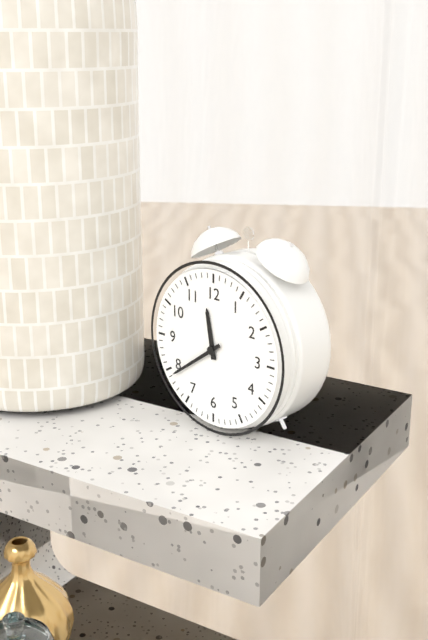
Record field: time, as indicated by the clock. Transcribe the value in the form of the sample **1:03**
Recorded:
**11:39**
